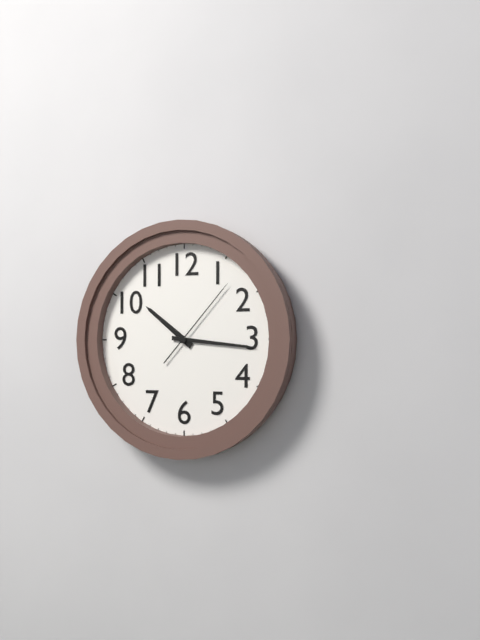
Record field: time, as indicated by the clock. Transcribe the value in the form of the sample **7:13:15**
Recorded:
**10:16:07**
